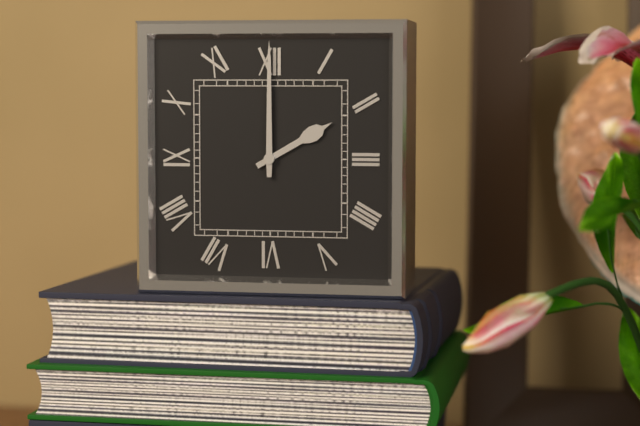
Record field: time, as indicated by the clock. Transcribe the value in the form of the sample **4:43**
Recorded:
**2:00**
